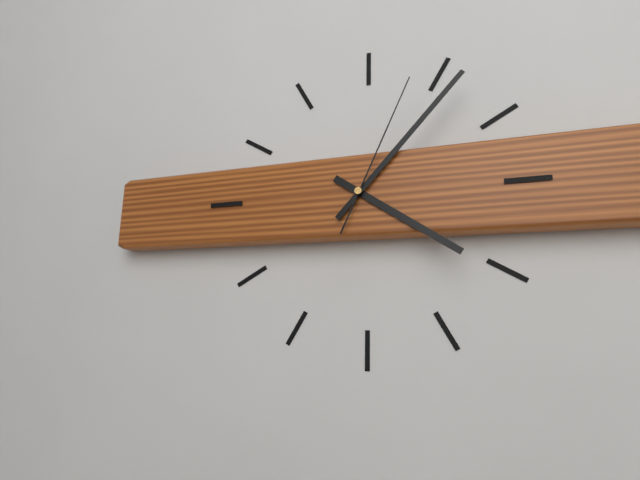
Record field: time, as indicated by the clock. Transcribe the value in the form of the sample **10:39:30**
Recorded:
**4:07:04**
